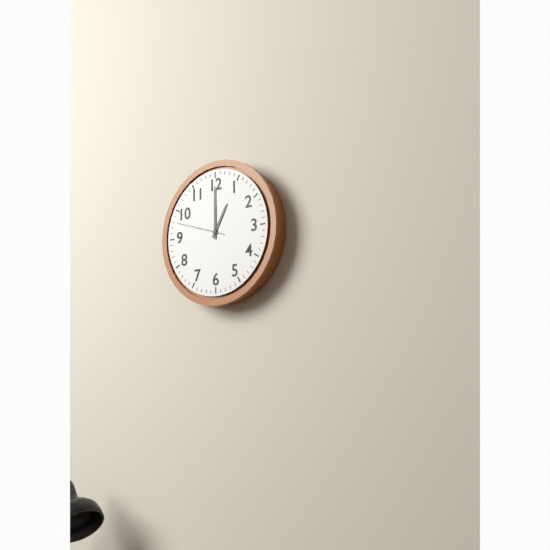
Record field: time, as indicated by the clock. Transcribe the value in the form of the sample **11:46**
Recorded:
**1:00**
